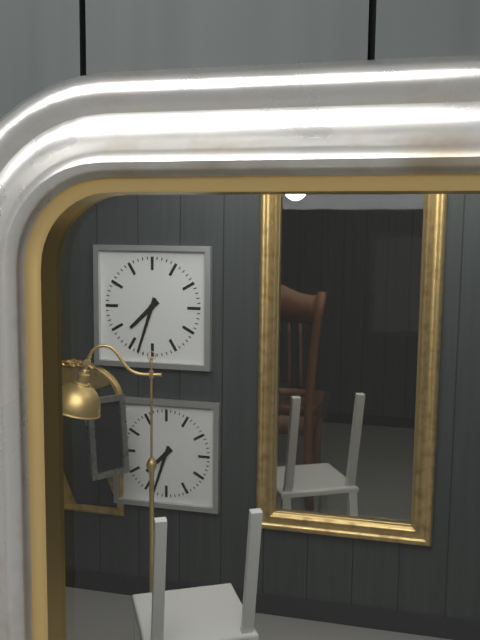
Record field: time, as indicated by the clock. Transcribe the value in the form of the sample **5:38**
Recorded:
**7:33**
